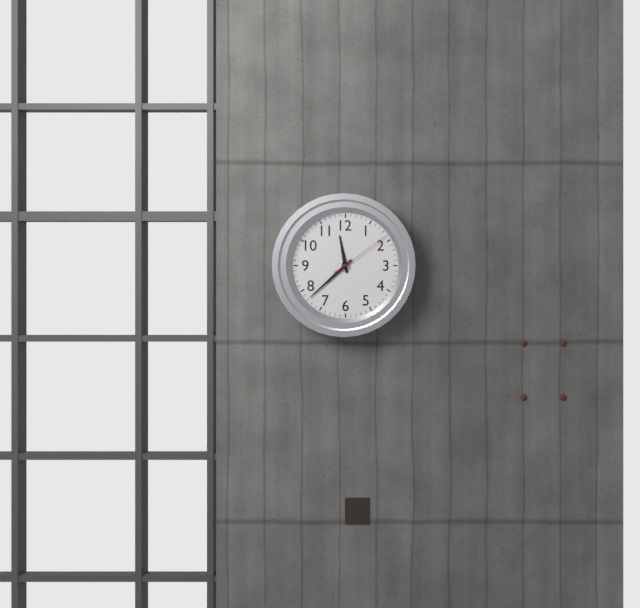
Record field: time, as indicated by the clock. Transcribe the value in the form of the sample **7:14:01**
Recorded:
**11:38:09**
